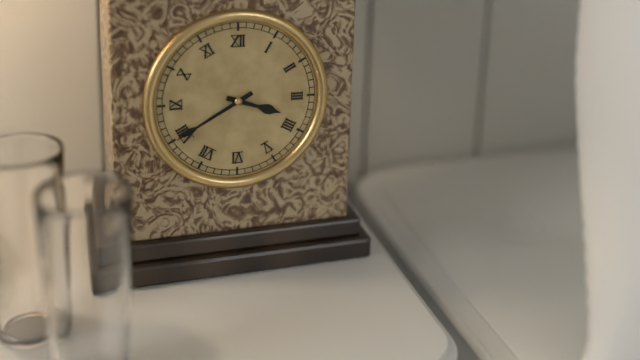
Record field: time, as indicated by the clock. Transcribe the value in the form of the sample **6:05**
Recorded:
**3:40**
